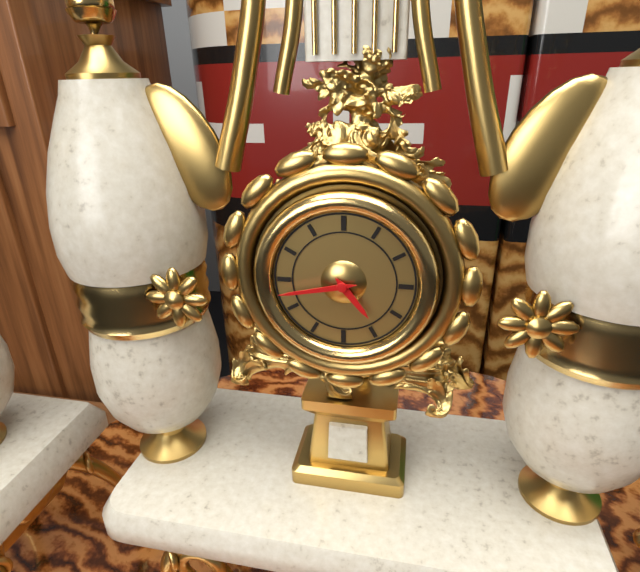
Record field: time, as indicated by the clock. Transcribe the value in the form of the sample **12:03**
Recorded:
**4:43**
